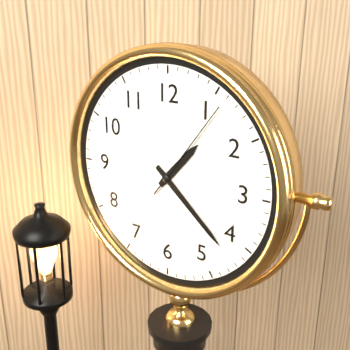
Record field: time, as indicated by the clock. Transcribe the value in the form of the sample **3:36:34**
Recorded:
**1:22:06**
